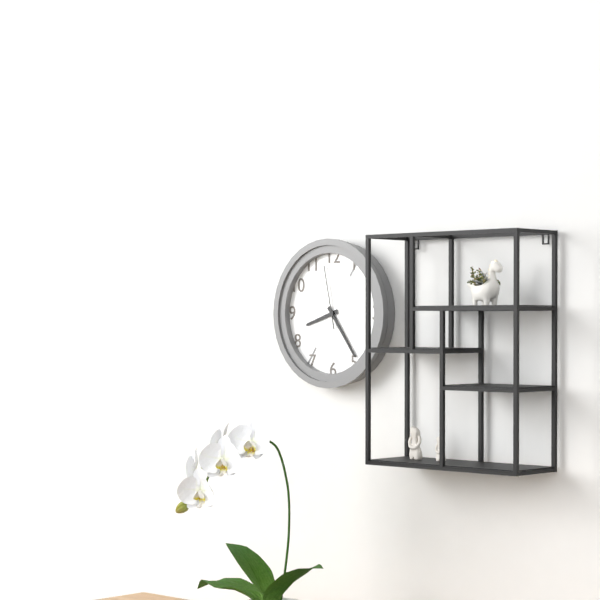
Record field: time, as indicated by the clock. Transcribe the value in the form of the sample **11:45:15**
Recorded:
**8:24:58**
